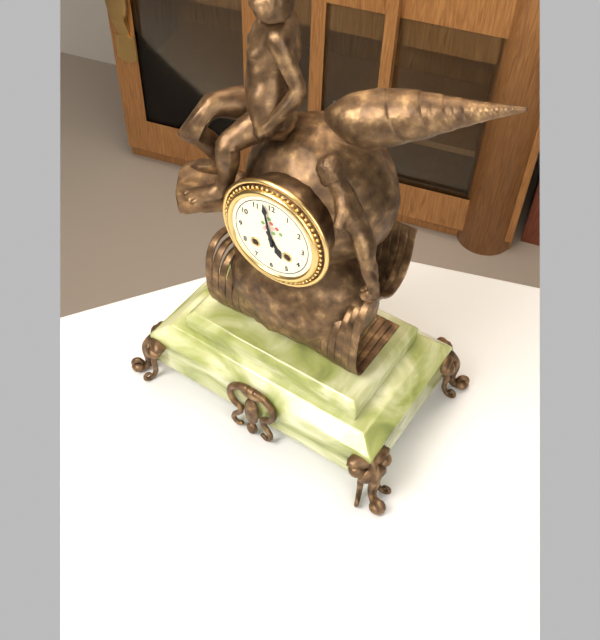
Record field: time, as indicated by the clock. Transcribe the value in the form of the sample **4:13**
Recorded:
**4:58**
